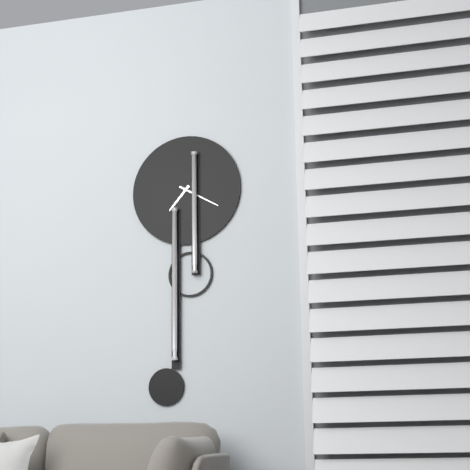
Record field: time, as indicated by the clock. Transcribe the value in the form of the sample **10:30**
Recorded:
**7:20**
